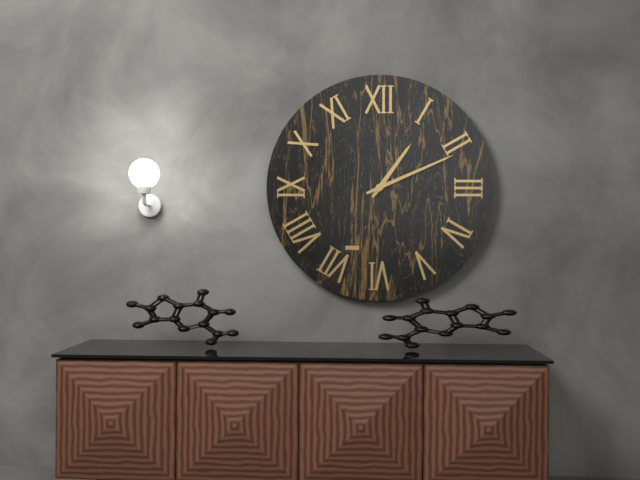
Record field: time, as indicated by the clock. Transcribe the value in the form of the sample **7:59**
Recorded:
**1:11**
